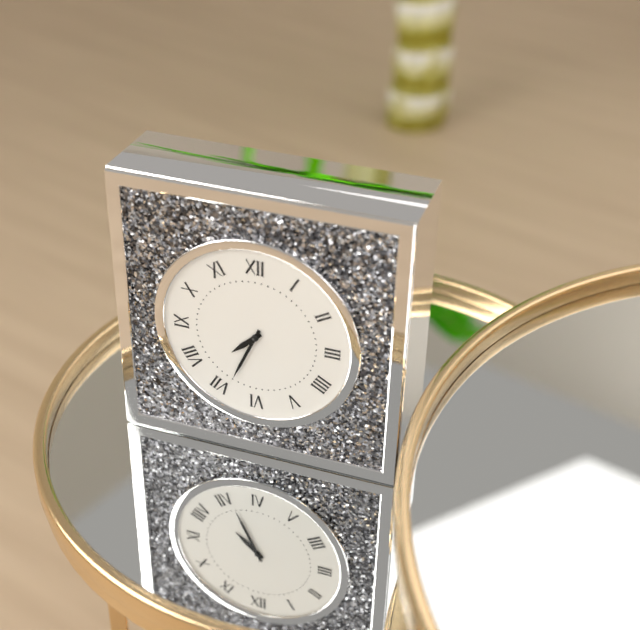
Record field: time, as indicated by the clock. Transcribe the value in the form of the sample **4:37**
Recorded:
**7:34**
